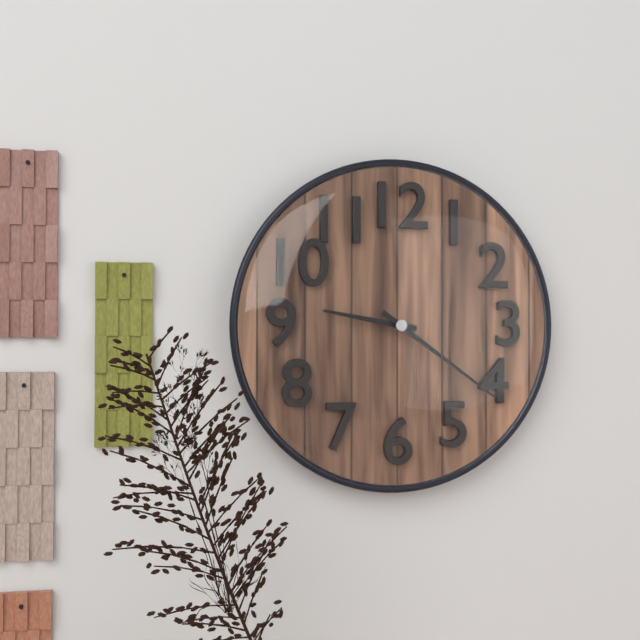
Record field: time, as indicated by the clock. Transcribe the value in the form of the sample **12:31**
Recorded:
**9:21**
